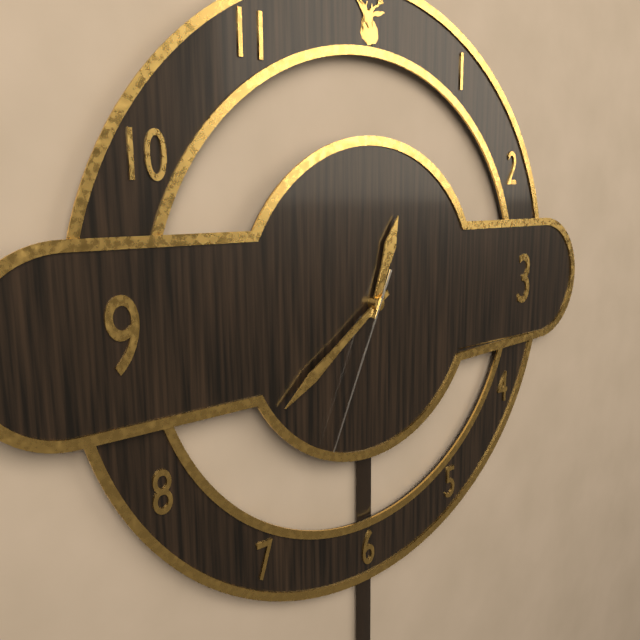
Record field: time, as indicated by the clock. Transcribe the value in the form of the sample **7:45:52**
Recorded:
**12:39:34**
